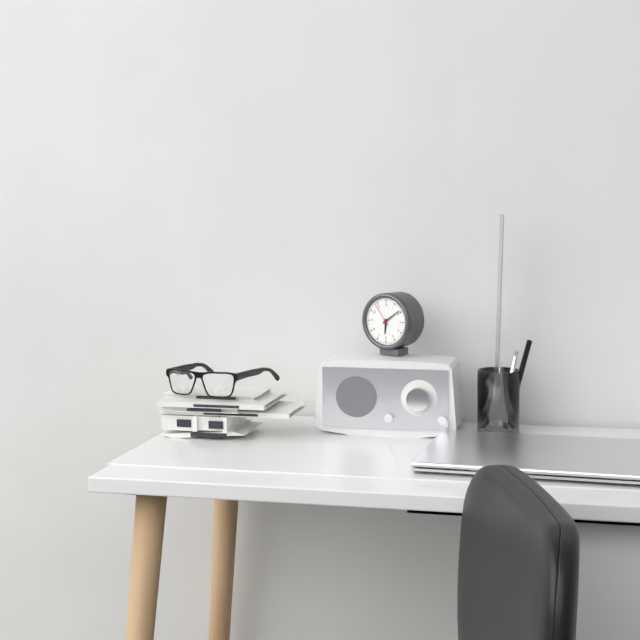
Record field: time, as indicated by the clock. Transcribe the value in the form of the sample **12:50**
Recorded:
**6:09**
